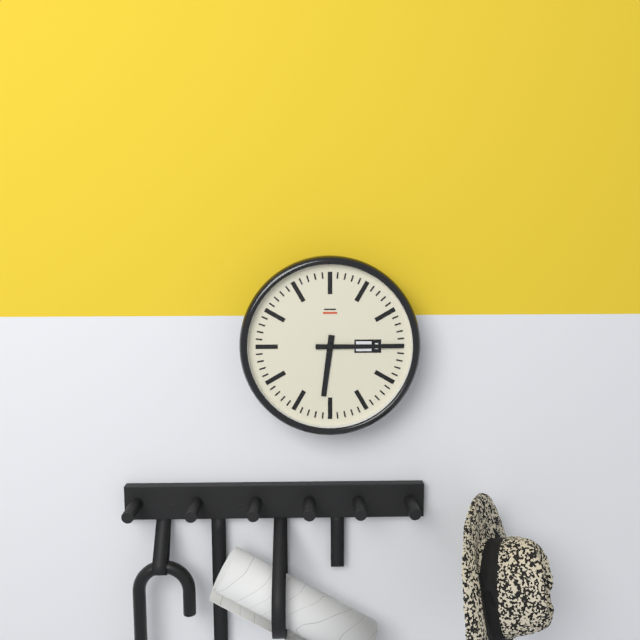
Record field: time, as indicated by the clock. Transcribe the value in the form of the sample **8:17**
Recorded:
**6:15**
